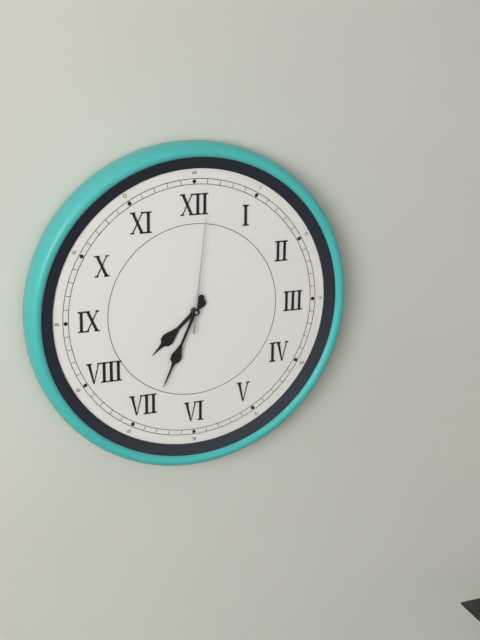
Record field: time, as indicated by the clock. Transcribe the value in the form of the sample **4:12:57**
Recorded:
**7:34:01**
